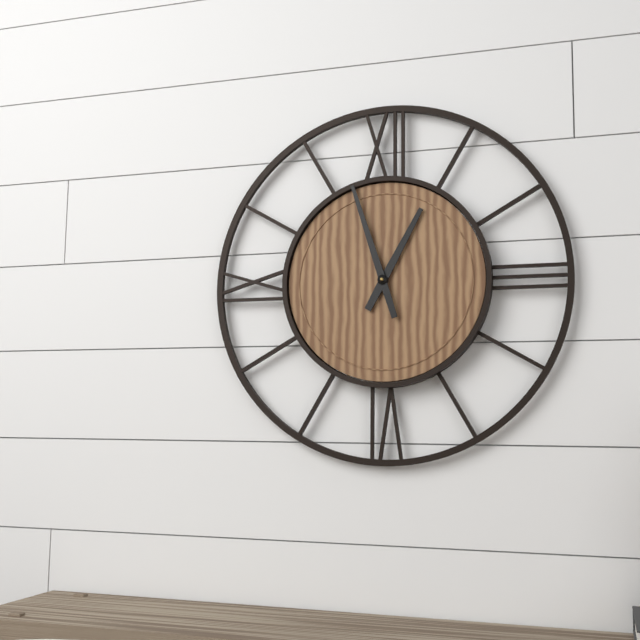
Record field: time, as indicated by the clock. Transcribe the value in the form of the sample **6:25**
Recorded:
**12:57**
